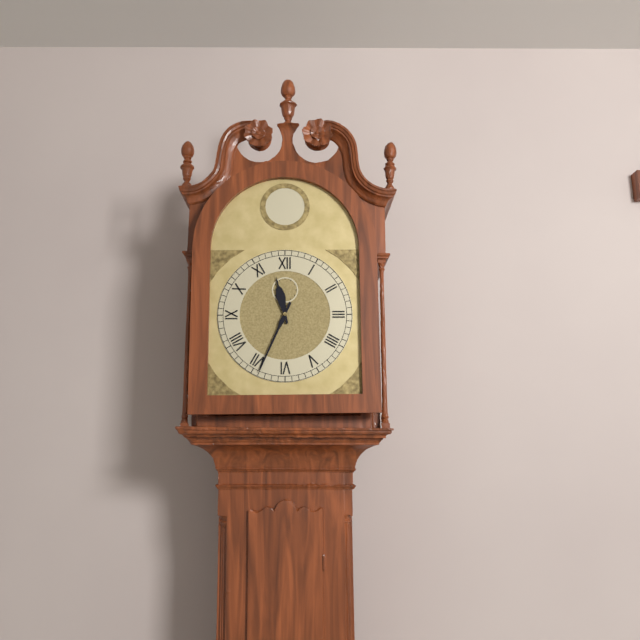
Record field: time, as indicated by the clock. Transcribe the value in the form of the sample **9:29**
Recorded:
**11:34**
